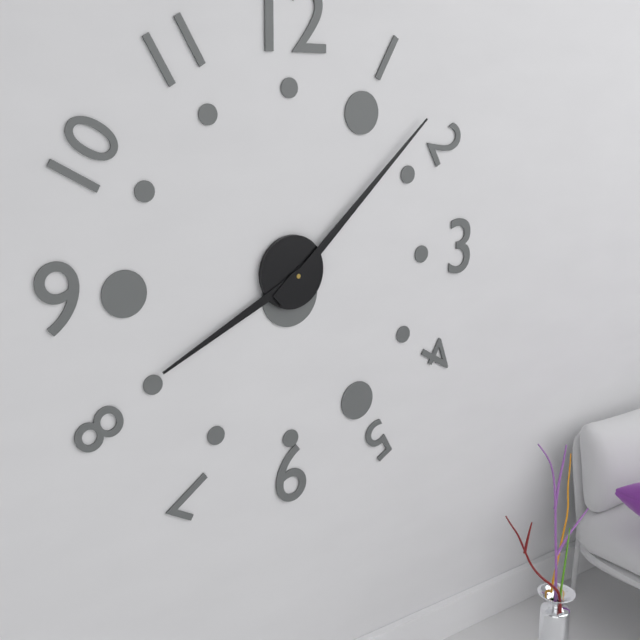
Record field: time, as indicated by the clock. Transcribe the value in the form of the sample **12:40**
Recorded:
**8:08**
